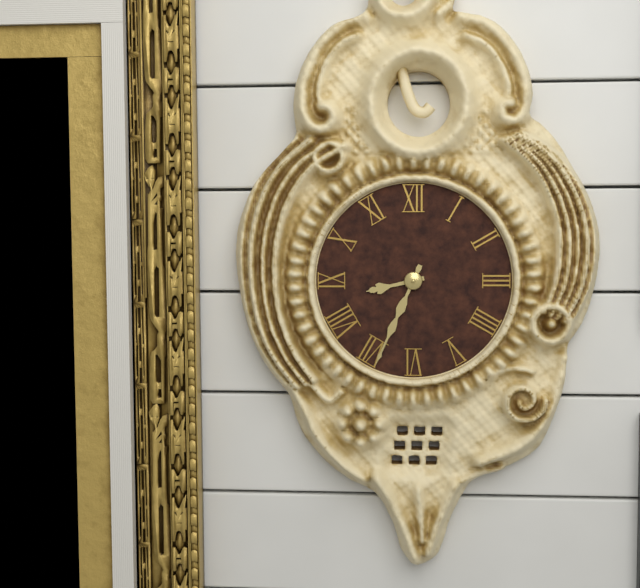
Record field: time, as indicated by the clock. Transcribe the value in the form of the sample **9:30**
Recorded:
**8:34**
